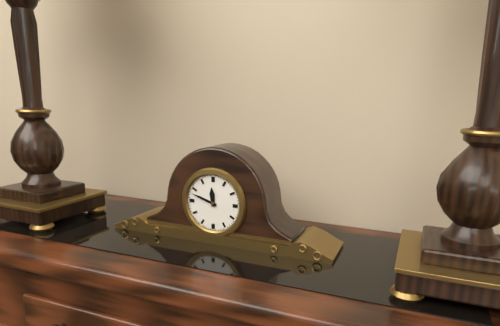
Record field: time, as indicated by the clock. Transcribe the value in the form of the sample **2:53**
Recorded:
**11:48**
